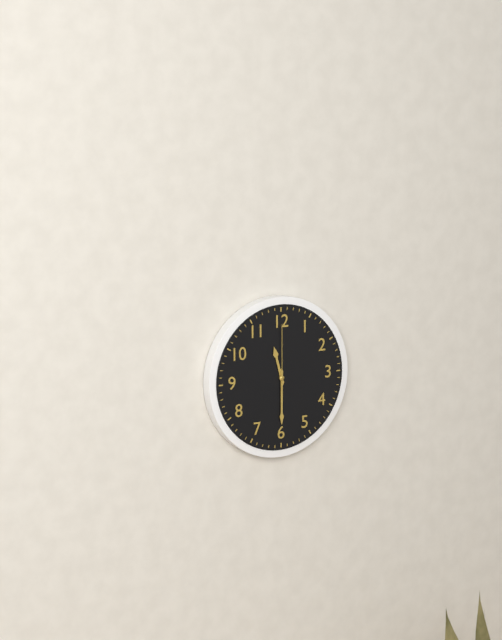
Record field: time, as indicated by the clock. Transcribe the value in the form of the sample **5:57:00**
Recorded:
**11:30:00**
